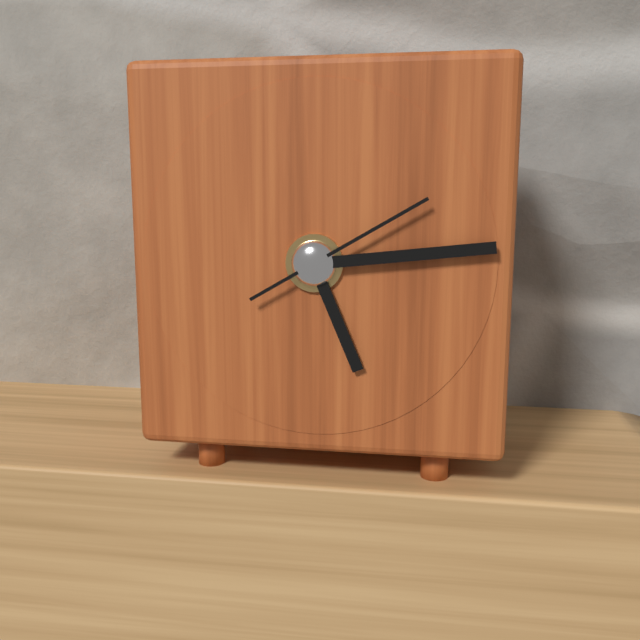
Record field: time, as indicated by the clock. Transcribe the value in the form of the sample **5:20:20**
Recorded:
**5:14:10**
